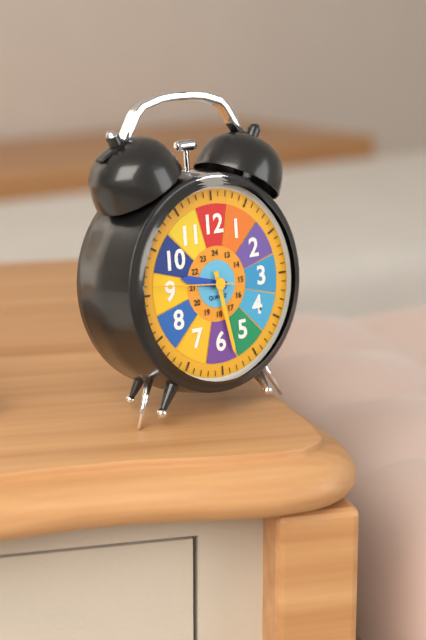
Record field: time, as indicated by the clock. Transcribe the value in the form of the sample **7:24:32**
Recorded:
**9:28:46**
